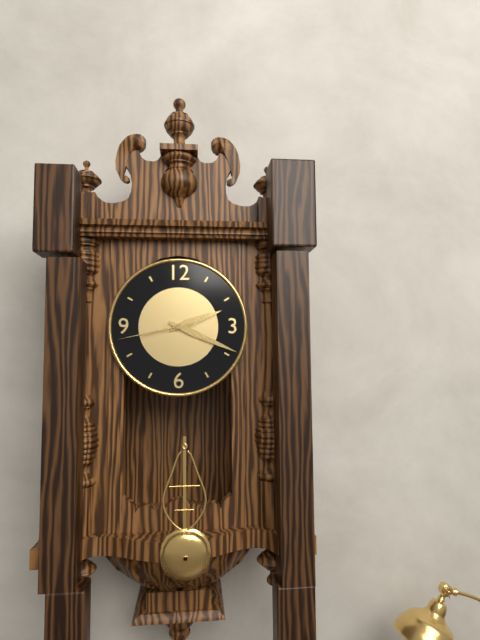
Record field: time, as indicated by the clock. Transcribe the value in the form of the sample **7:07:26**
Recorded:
**2:19:43**
